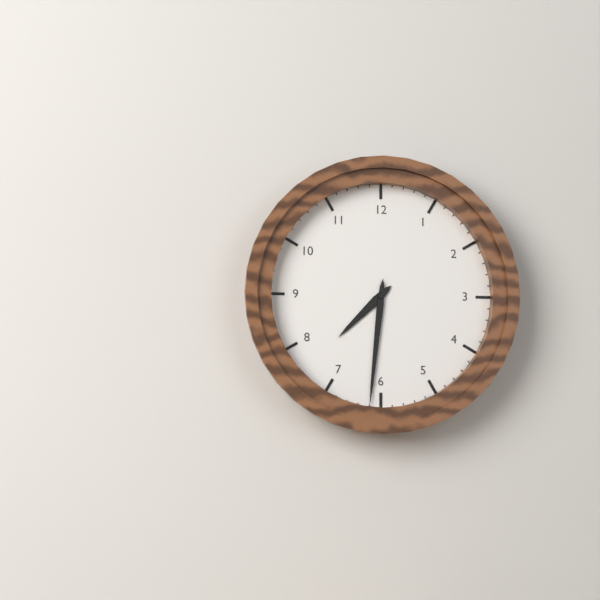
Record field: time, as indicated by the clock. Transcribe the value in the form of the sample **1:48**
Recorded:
**7:31**
